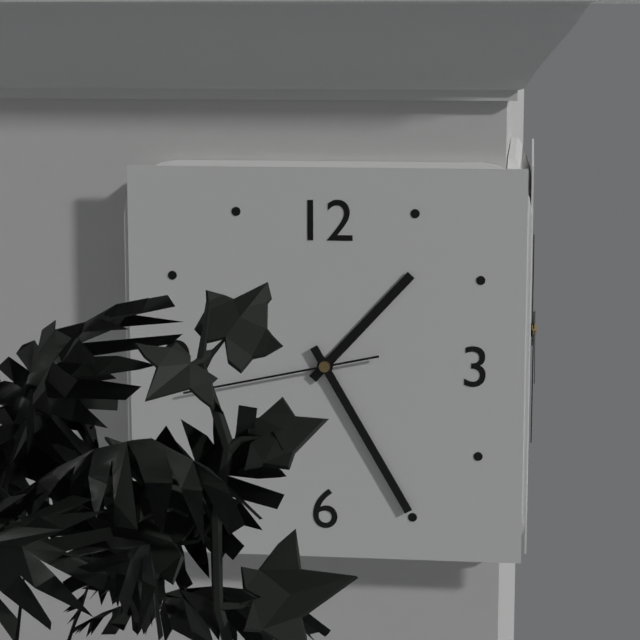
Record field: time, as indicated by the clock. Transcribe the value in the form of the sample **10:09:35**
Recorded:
**1:25:43**
